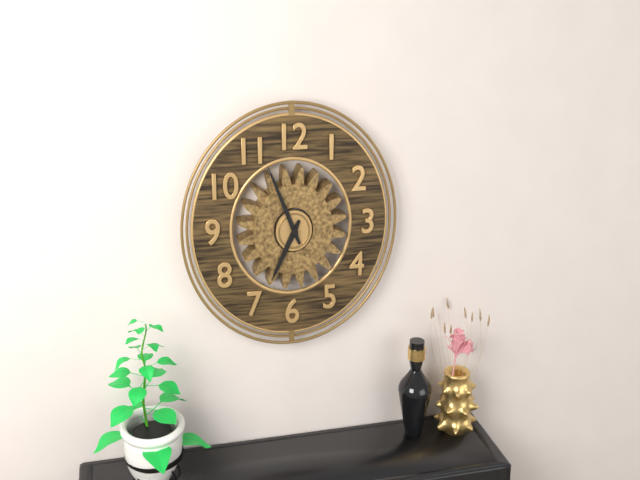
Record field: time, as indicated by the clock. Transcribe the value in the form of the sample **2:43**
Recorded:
**6:56**
